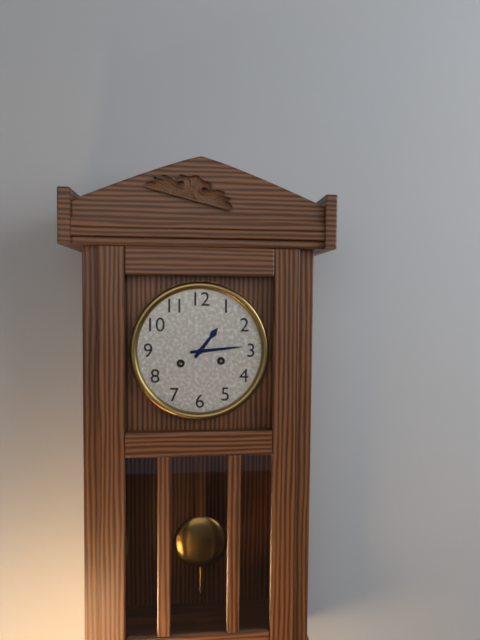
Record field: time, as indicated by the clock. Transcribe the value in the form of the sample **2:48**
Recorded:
**1:14**
